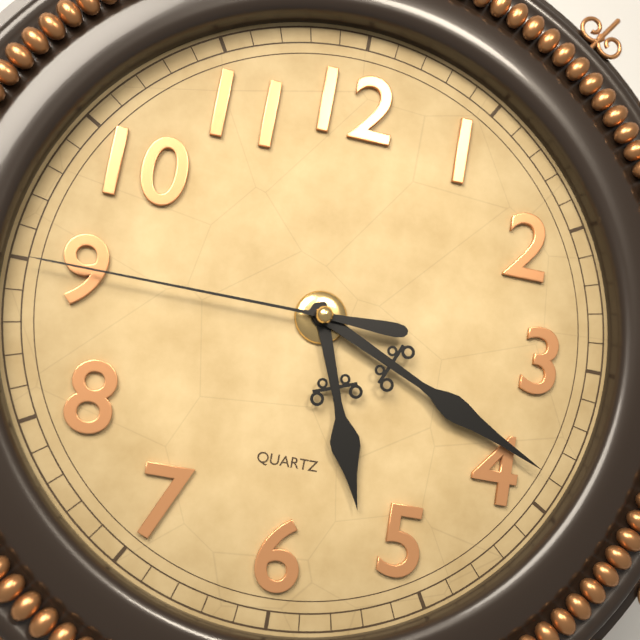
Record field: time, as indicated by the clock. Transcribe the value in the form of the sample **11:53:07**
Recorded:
**5:19:45**
